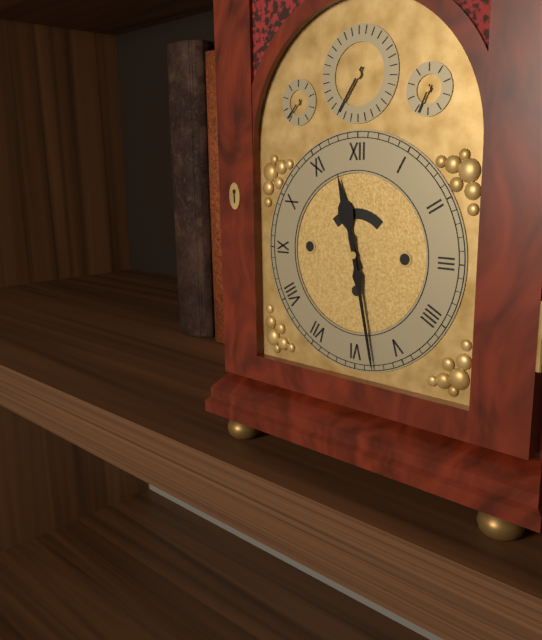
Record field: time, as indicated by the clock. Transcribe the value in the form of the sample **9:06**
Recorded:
**11:28**
